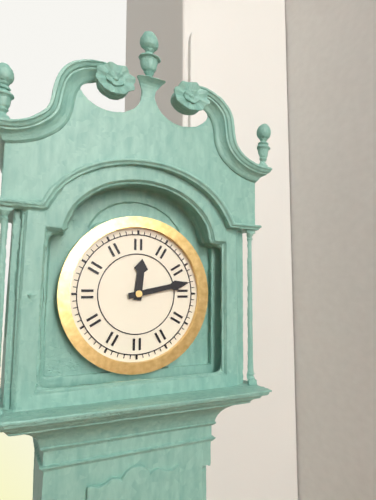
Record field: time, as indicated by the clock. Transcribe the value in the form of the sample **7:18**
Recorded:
**12:13**
